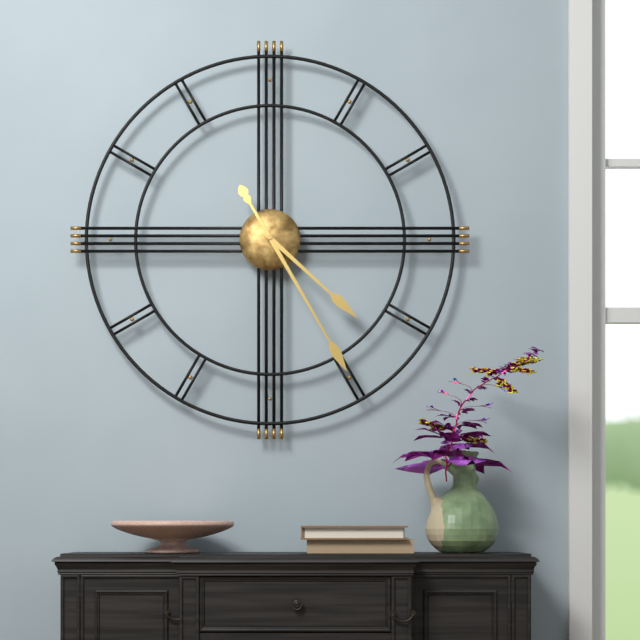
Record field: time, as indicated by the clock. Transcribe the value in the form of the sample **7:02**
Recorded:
**4:25**
